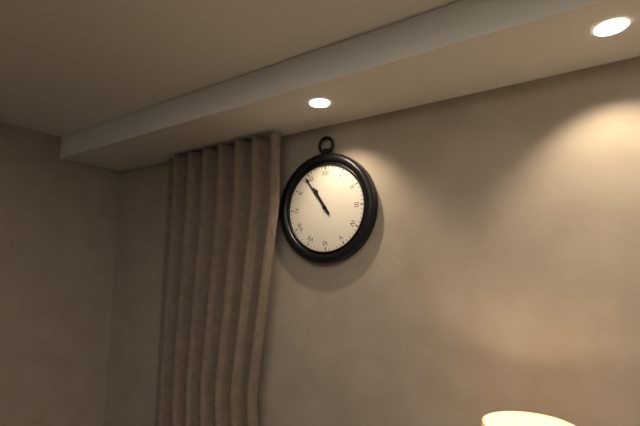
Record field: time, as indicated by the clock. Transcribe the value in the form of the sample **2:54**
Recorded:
**10:54**
